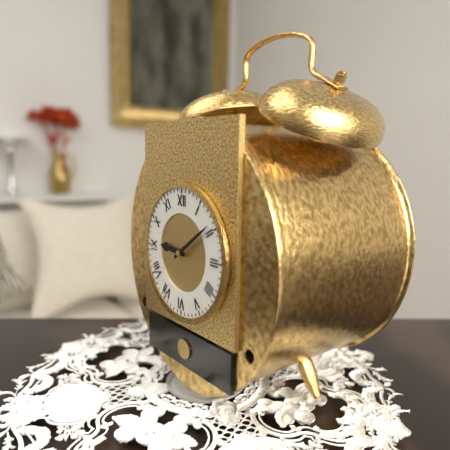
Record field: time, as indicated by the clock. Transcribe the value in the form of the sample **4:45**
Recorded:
**9:09**
